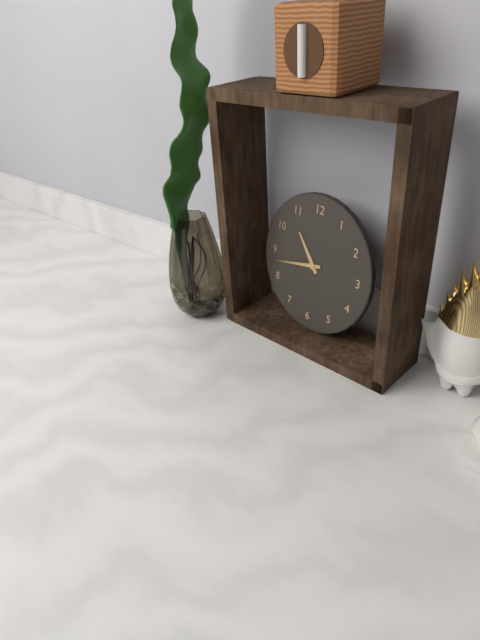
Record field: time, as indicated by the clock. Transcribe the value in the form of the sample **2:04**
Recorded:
**10:43**
